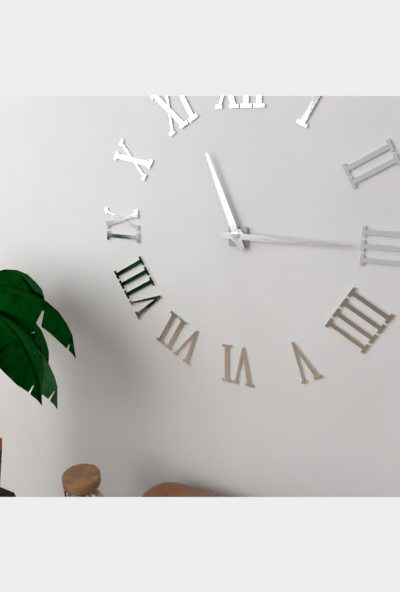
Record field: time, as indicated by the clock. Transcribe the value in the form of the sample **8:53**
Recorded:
**11:15**
